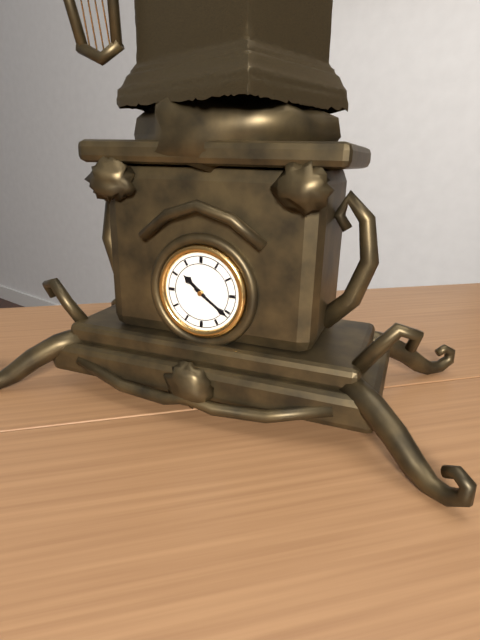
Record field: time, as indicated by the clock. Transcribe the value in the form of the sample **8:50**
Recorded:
**10:21**
